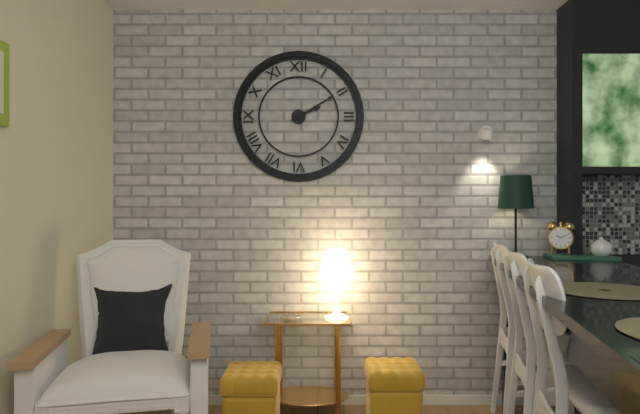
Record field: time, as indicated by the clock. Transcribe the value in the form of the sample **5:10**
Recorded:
**2:10**
